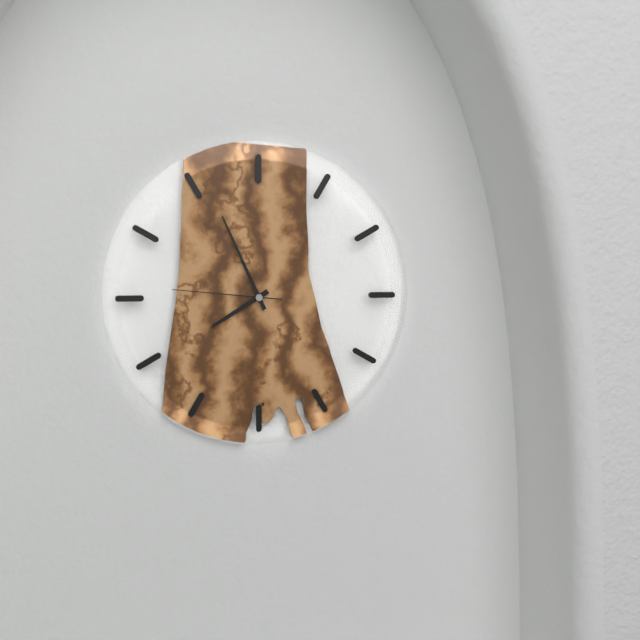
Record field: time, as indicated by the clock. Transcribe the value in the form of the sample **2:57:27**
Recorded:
**7:56:46**
